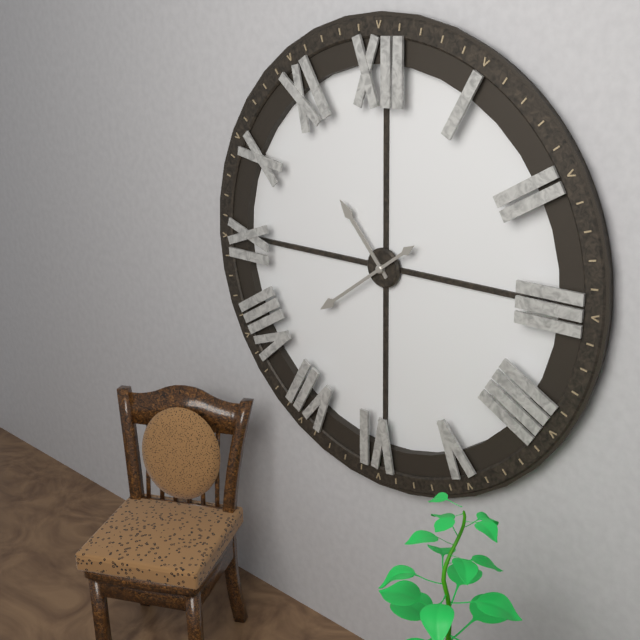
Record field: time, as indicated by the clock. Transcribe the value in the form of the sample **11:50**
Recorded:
**10:39**
